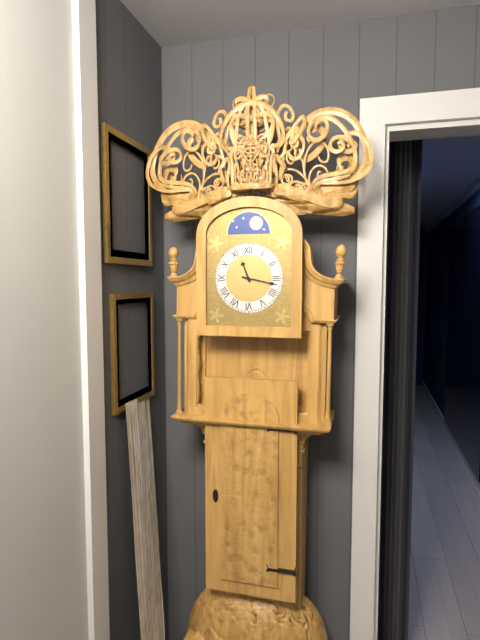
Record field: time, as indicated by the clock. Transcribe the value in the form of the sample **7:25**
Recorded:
**11:17**
